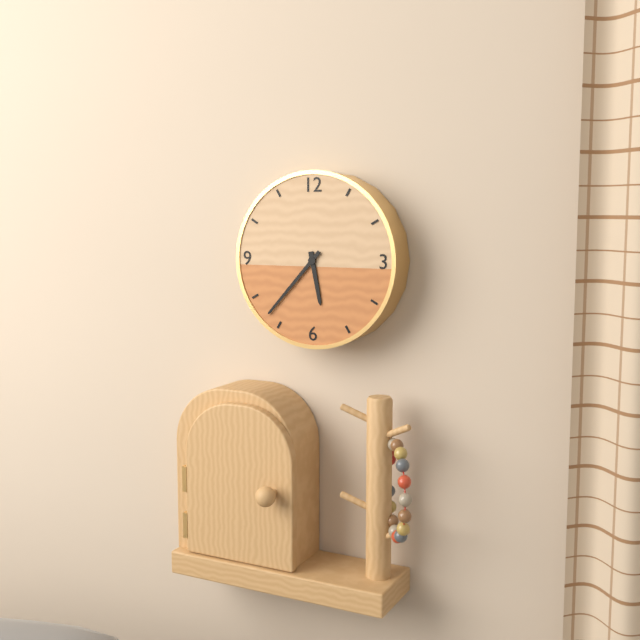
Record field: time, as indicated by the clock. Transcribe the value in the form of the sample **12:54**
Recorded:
**5:37**
